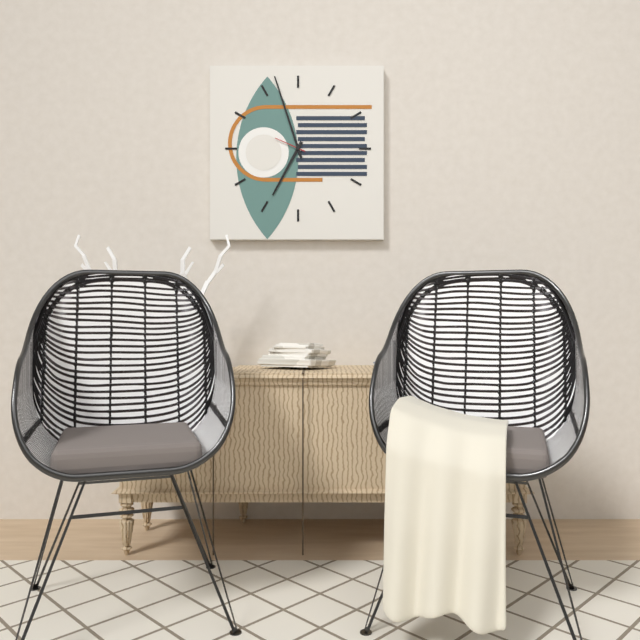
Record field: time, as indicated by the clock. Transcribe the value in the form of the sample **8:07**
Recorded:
**6:57**
